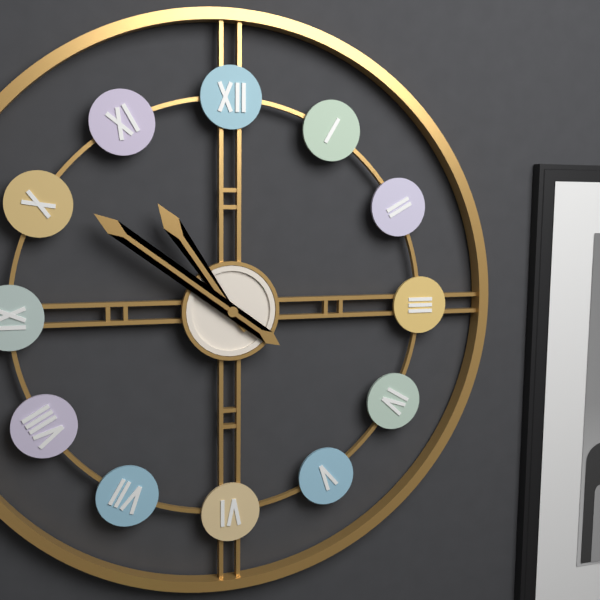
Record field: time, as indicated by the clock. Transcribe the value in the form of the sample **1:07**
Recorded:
**10:51**
